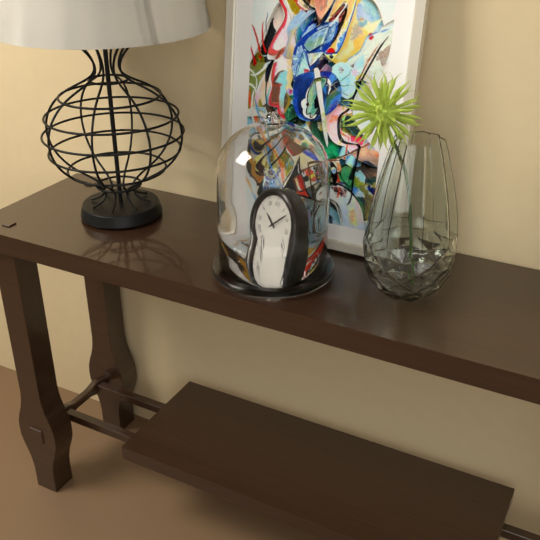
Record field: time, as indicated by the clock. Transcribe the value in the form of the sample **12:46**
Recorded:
**10:08**
